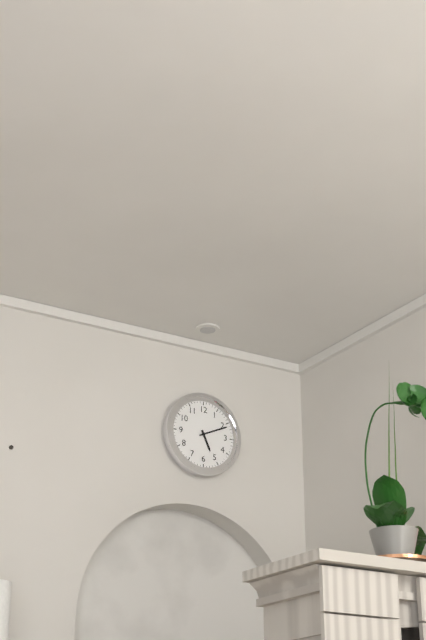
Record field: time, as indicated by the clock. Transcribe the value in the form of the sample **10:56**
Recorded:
**5:11**
